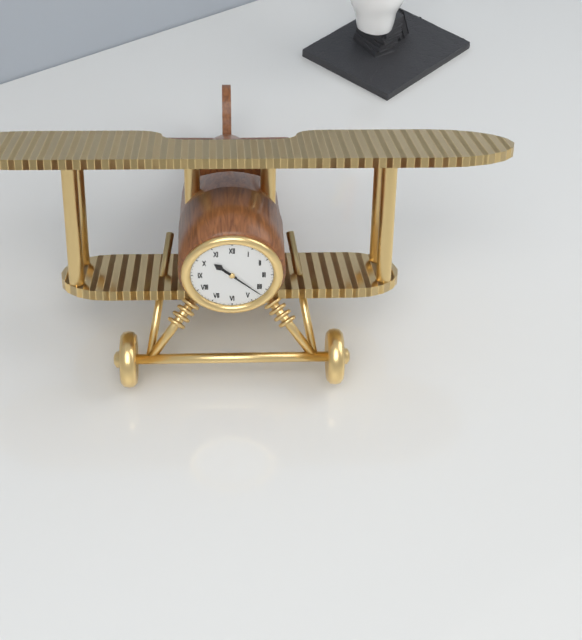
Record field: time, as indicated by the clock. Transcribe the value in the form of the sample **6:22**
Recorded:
**10:22**
